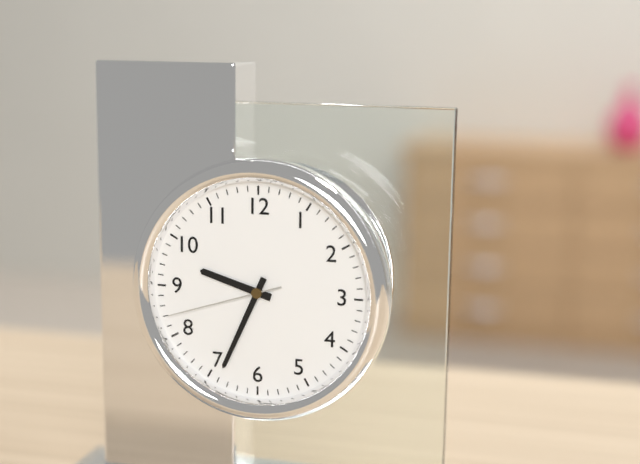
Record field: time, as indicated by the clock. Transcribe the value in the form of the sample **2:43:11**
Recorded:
**9:34:42**
